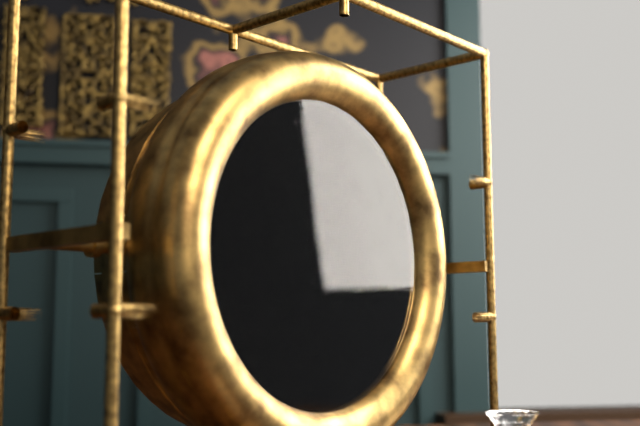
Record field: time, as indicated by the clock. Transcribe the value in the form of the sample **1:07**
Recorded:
**9:08**
